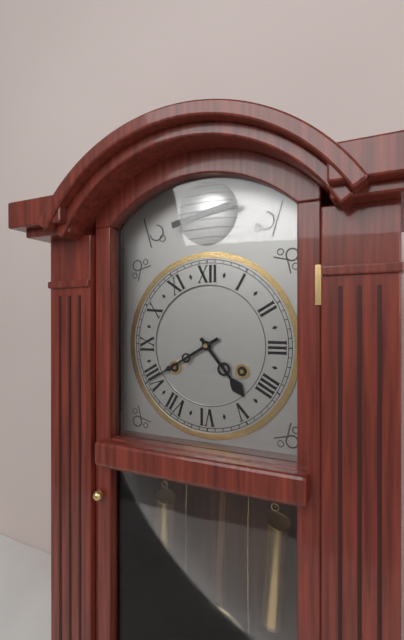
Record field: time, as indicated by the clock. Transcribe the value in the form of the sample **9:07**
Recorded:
**4:40**
